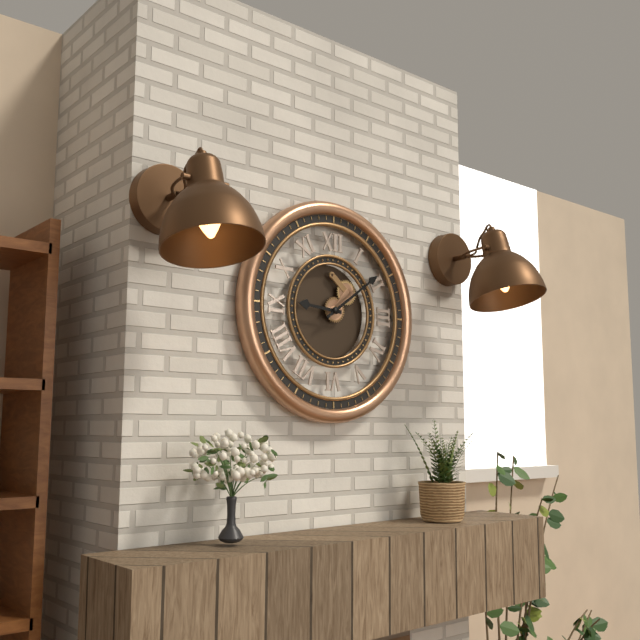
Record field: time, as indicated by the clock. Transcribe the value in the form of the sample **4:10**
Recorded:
**9:09**
